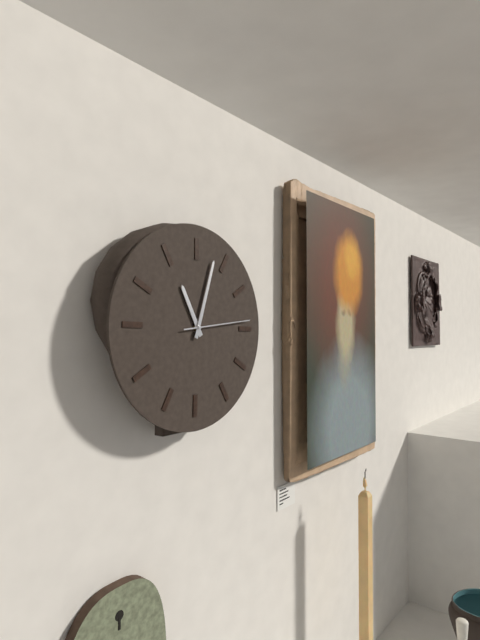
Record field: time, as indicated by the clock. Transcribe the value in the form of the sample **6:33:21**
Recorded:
**11:03:14**
